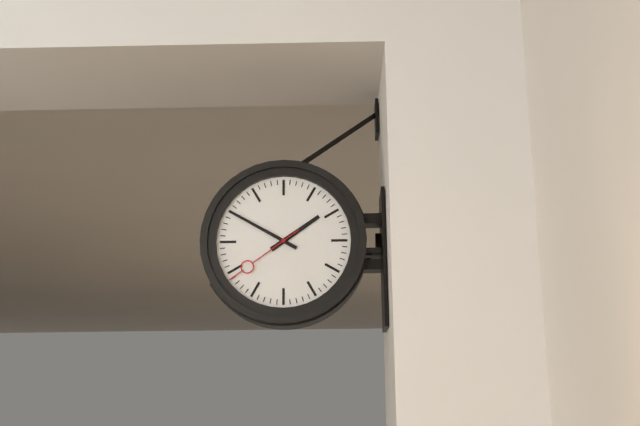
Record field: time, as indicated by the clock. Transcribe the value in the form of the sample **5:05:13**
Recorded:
**1:50:39**
